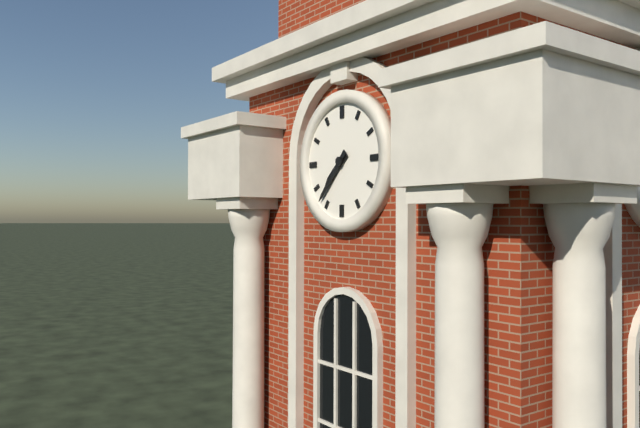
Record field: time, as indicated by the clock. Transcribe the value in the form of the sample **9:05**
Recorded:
**7:37**
